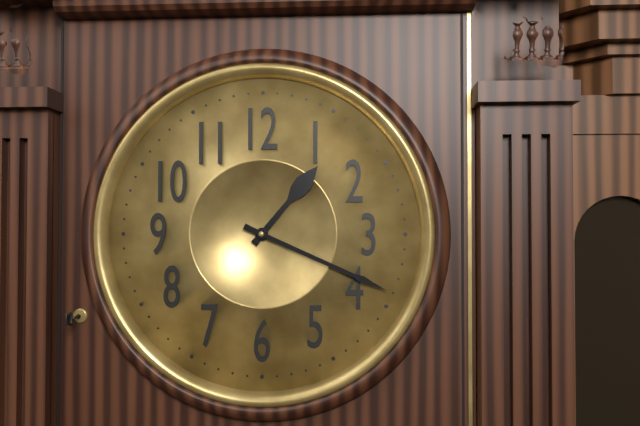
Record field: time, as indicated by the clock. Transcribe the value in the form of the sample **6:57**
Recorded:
**1:19**
